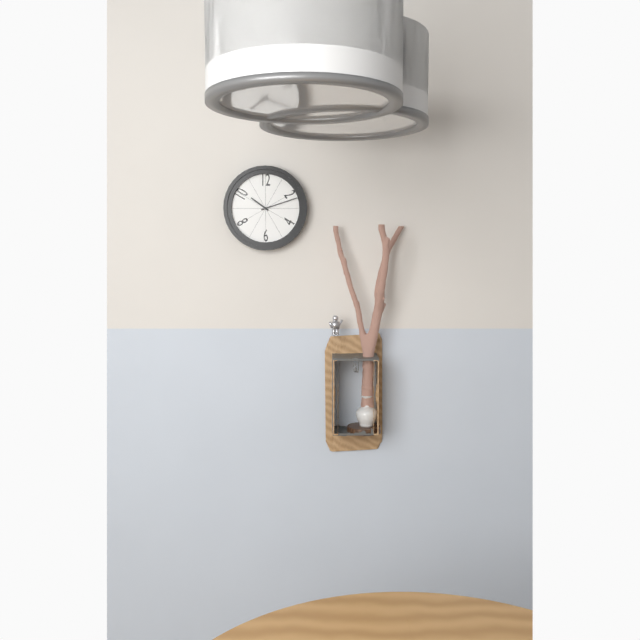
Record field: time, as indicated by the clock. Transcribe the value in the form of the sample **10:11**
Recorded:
**10:12**
